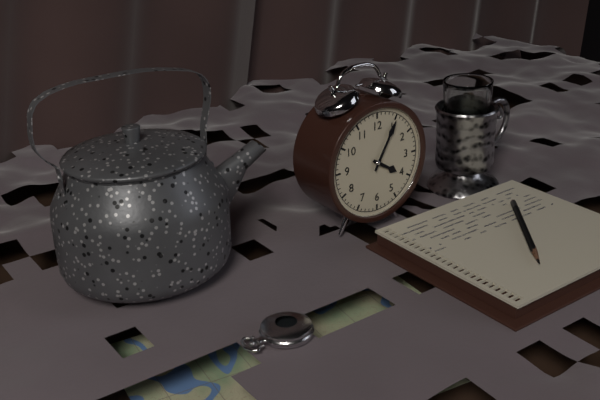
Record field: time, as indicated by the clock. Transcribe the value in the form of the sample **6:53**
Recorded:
**4:05**
